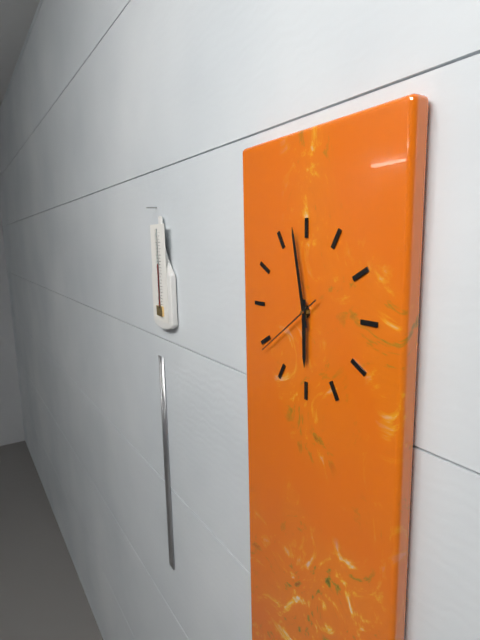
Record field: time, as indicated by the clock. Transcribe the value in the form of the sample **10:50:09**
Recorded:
**5:58:39**
